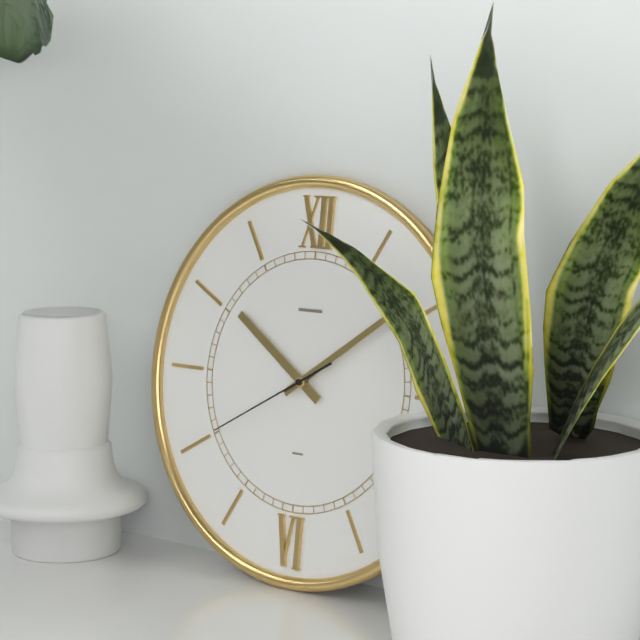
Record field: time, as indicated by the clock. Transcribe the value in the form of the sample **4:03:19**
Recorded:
**10:09:40**
